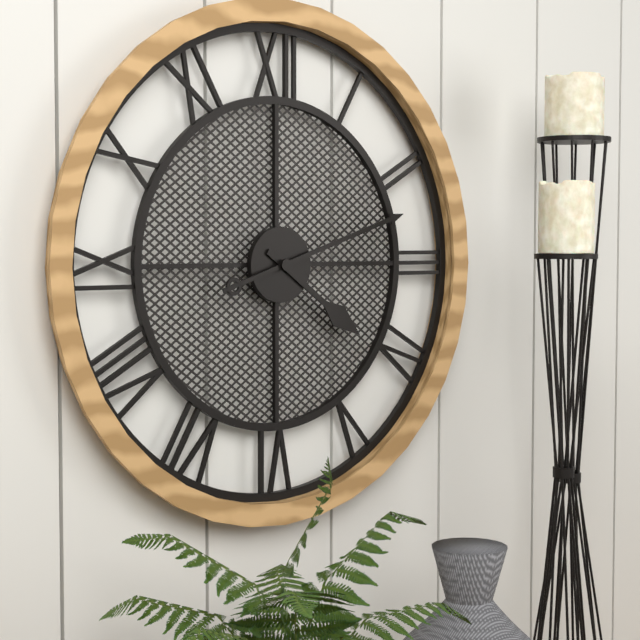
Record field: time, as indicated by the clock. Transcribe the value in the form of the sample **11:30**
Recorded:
**4:12**
